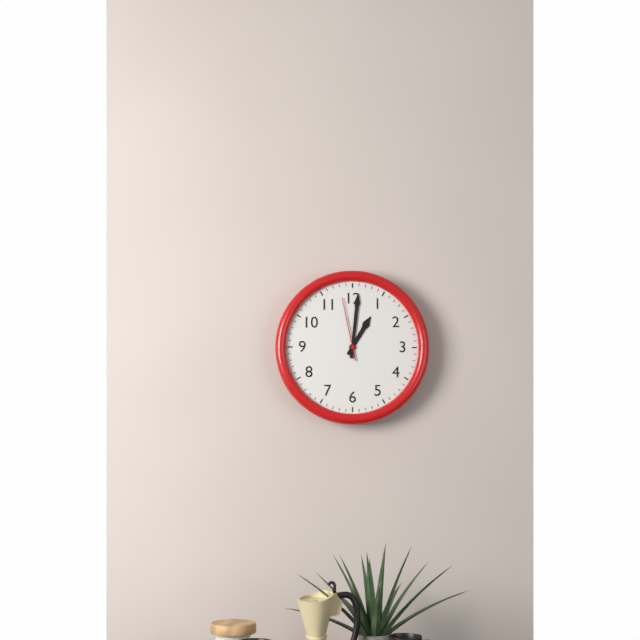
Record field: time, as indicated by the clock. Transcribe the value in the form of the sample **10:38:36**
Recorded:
**1:01:58**
